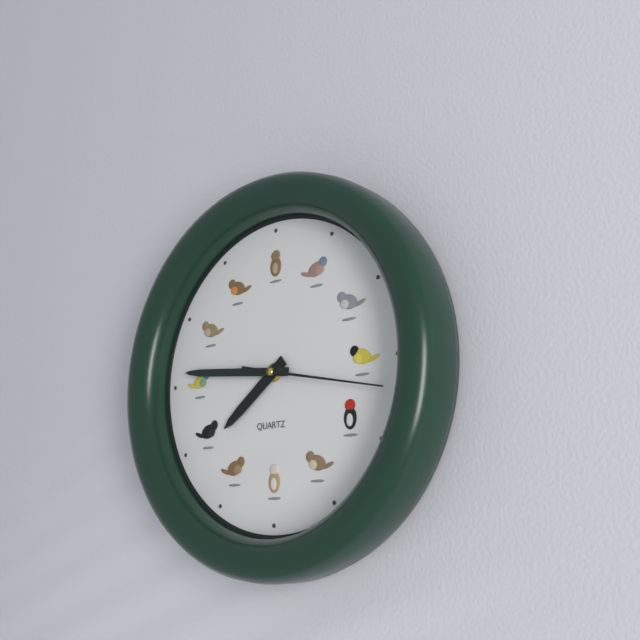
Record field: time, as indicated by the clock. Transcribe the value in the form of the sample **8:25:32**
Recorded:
**7:46:17**
